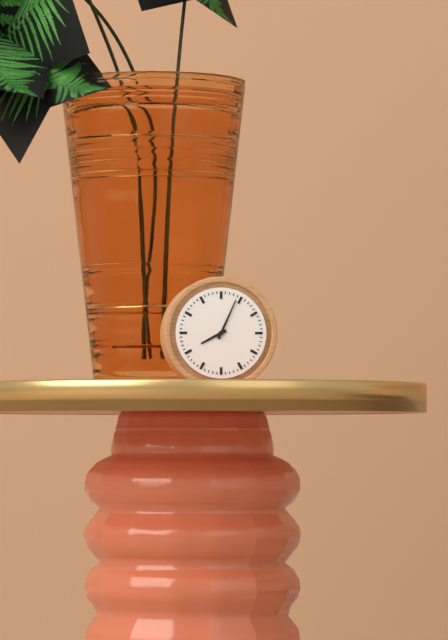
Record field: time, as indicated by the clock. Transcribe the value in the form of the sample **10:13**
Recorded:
**8:04**
